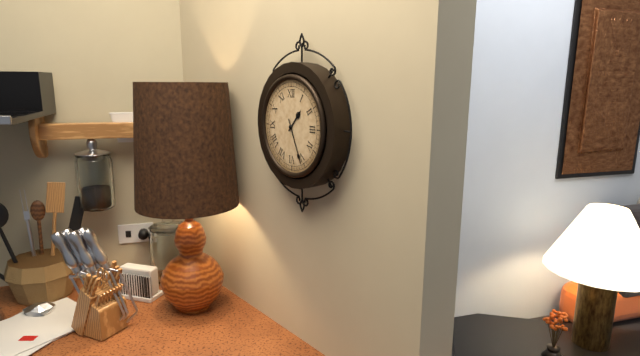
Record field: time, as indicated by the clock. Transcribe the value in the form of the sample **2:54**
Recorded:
**1:26**
